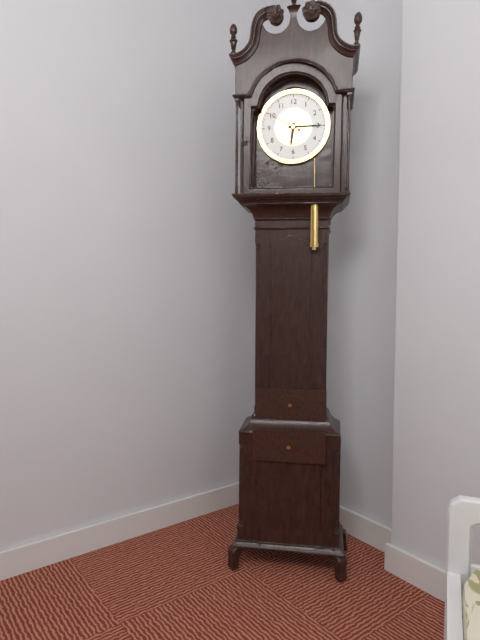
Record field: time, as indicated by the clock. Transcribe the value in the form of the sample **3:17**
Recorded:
**6:15**
